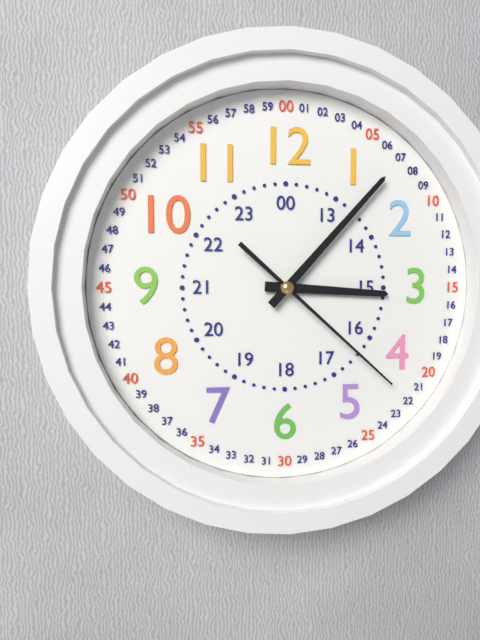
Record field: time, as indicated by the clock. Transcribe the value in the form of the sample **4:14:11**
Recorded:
**3:07:22**
